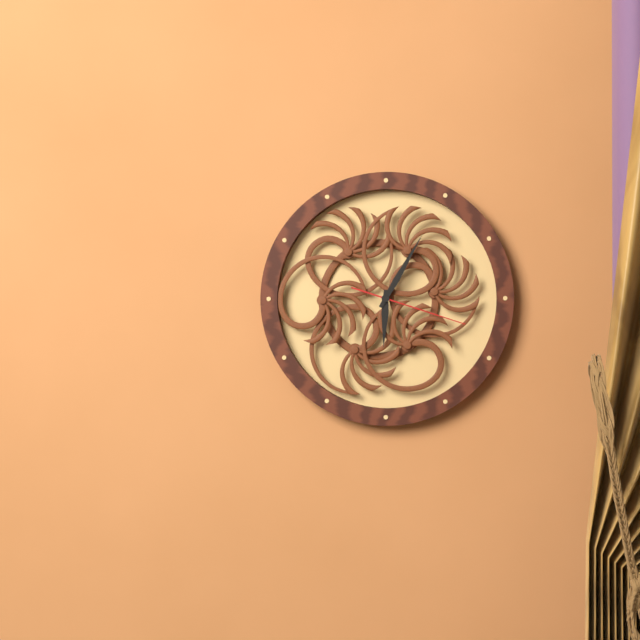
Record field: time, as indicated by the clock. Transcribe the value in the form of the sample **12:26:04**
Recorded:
**6:05:18**
